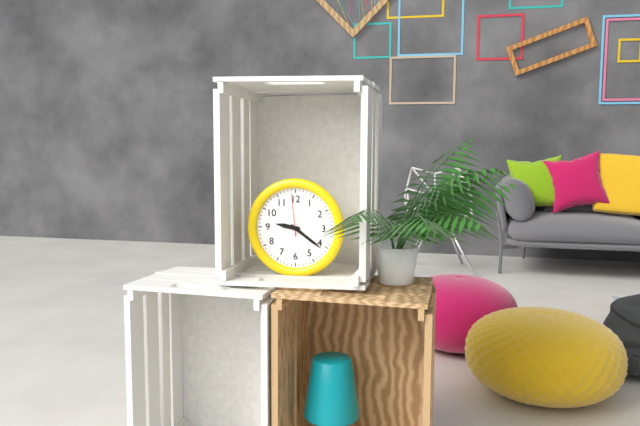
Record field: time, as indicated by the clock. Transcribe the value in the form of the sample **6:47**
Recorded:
**9:21**
